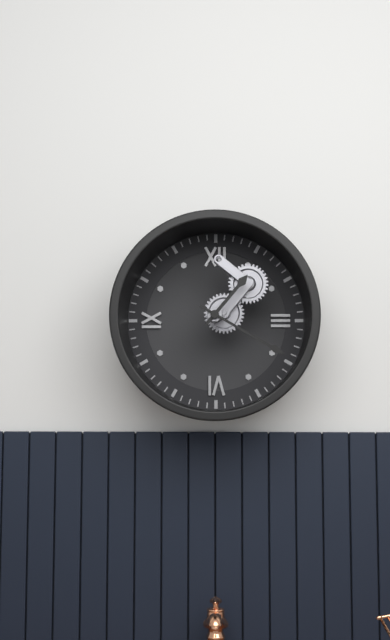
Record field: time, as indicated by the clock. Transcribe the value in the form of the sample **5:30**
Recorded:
**1:20**
